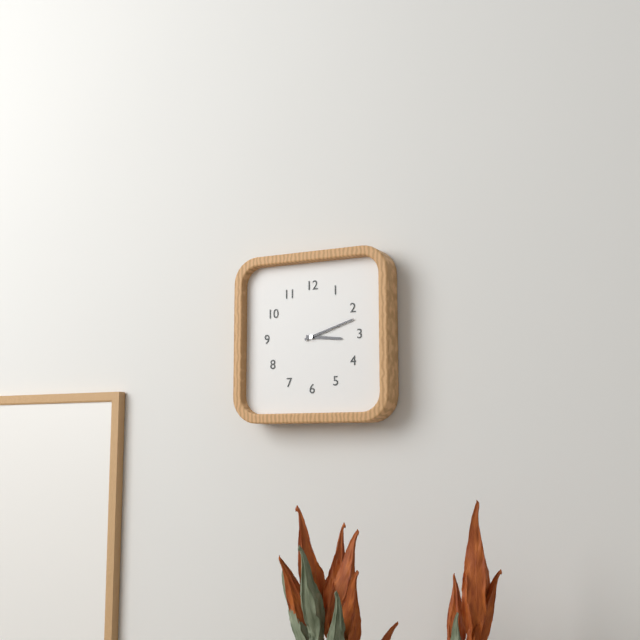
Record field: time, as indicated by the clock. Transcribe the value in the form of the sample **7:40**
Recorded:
**3:12**
